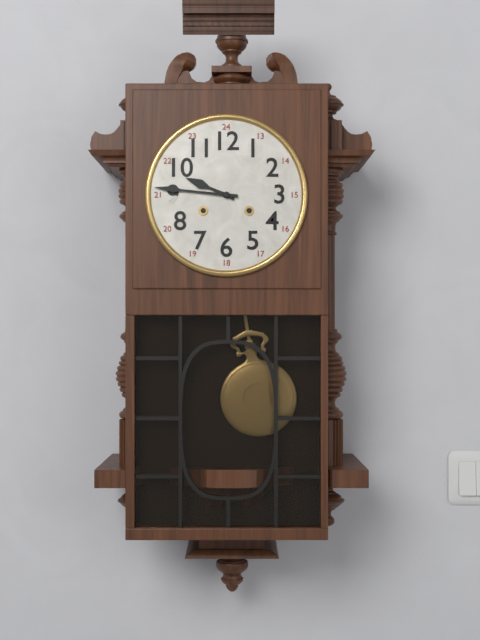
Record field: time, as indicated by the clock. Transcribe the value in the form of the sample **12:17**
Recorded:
**9:46**
